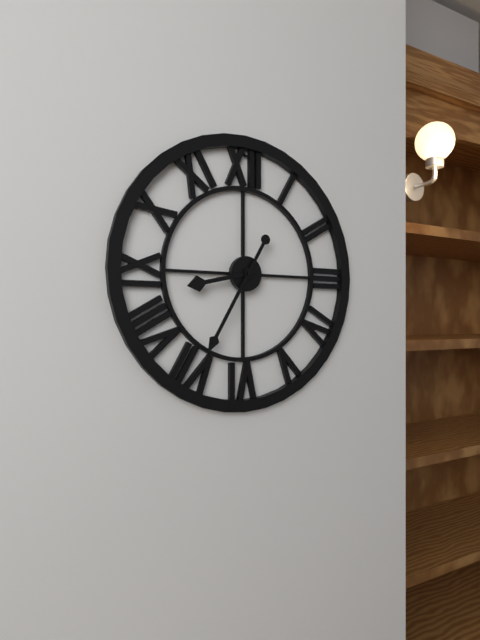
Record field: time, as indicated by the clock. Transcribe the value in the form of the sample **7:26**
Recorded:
**8:35**
